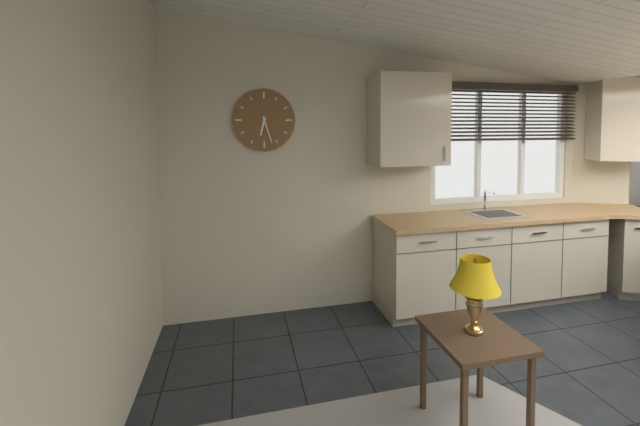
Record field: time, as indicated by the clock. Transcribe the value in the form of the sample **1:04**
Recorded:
**6:27**
